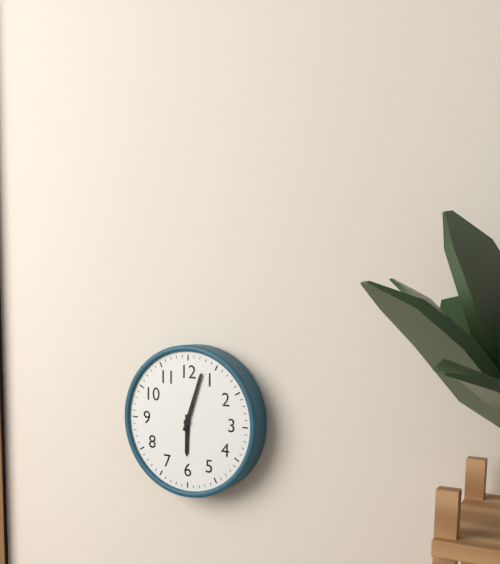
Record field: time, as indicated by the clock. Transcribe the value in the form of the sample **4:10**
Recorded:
**6:03**
